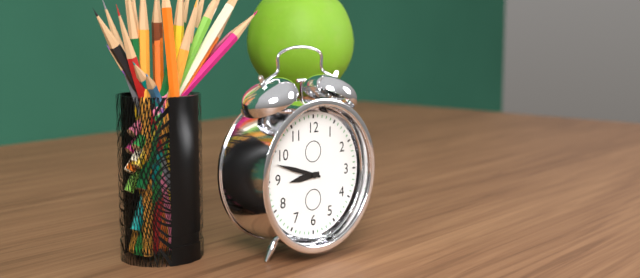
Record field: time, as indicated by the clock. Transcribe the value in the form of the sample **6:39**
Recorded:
**8:48**
